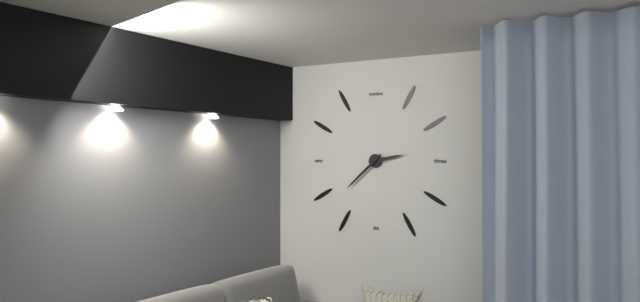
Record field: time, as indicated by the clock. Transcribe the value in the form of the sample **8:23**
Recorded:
**2:38**
